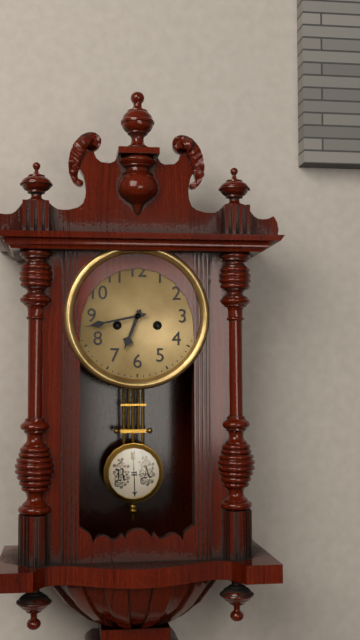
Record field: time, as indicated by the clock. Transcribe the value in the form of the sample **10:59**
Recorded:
**6:43**
